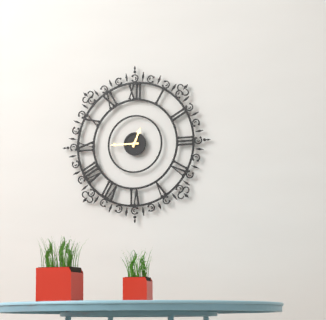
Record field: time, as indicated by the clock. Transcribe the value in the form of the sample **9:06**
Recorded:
**12:45**
